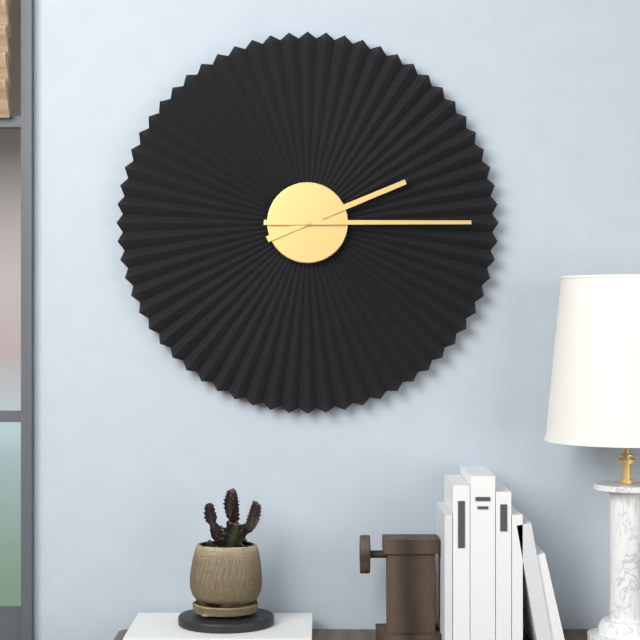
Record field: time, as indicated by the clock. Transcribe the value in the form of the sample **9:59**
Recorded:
**2:15**
